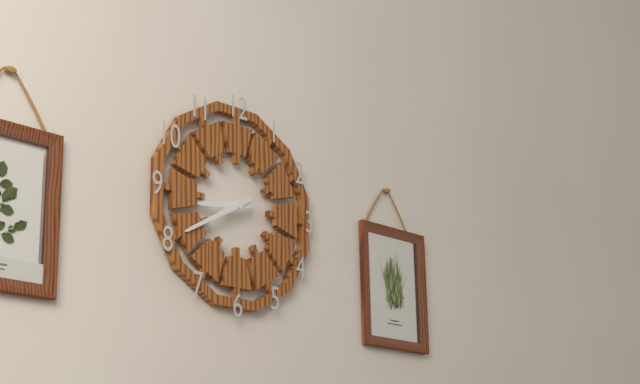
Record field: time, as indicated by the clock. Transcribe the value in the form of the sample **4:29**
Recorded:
**8:40**
